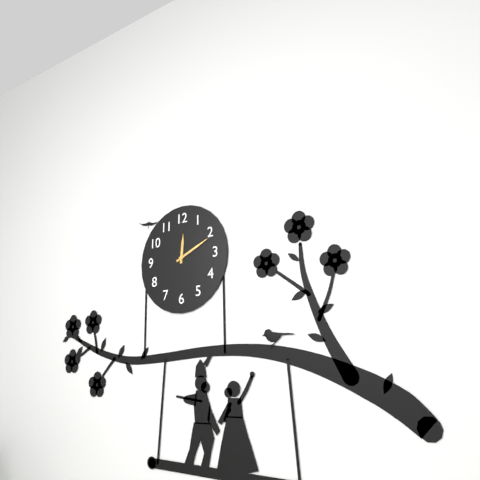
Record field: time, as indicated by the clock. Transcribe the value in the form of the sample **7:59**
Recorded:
**12:11**
